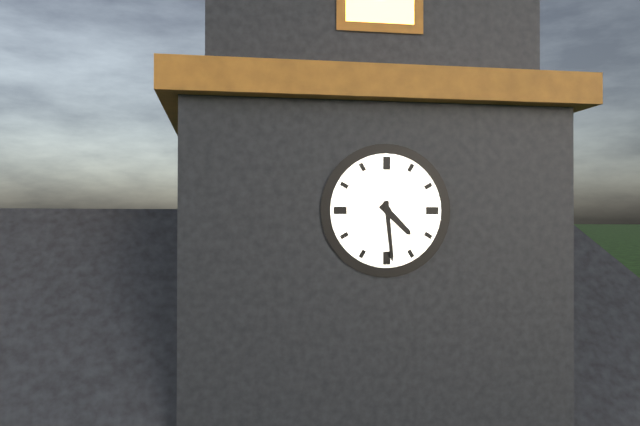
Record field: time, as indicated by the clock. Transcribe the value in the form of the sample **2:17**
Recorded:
**4:29**
